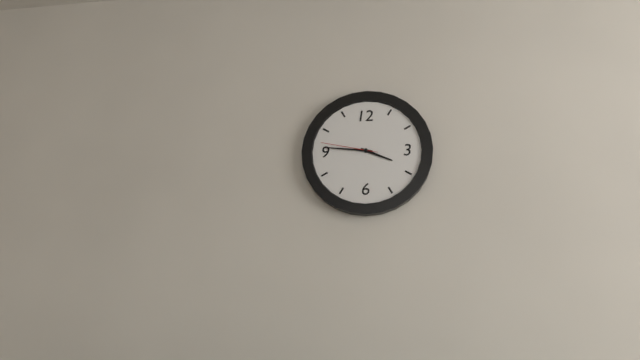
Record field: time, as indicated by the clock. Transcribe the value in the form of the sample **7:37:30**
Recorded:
**3:46:47**
